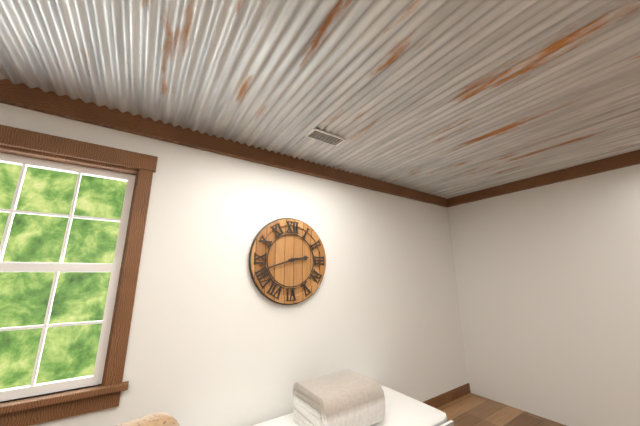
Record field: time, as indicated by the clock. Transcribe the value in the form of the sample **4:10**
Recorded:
**2:42**
